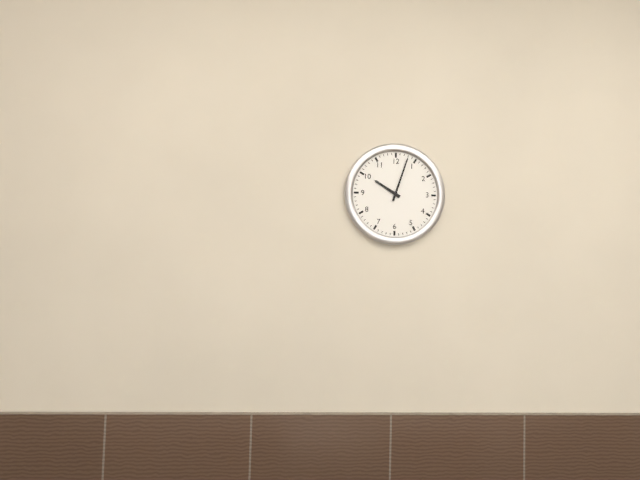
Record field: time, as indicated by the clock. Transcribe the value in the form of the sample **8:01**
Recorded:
**10:03**
